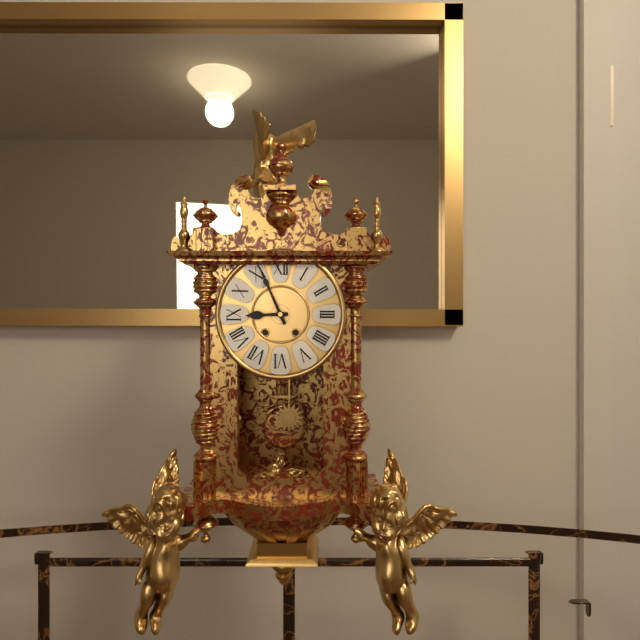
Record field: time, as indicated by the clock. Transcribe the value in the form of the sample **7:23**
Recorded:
**8:56**
